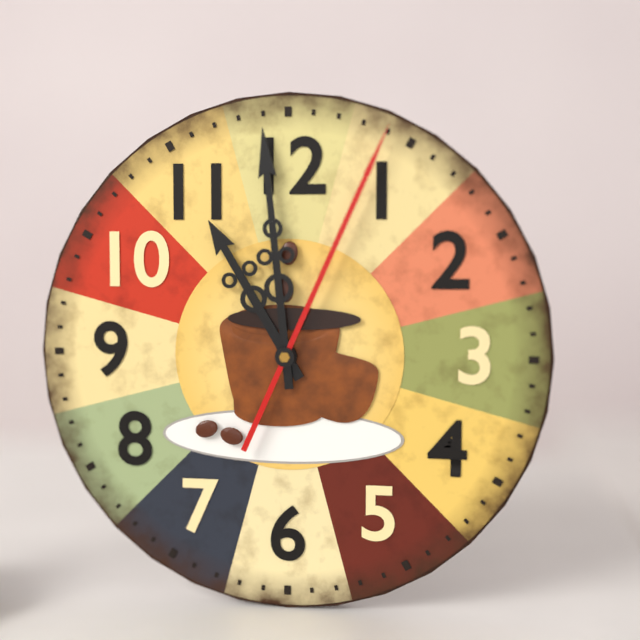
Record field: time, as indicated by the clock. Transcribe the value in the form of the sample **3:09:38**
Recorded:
**10:59:04**
